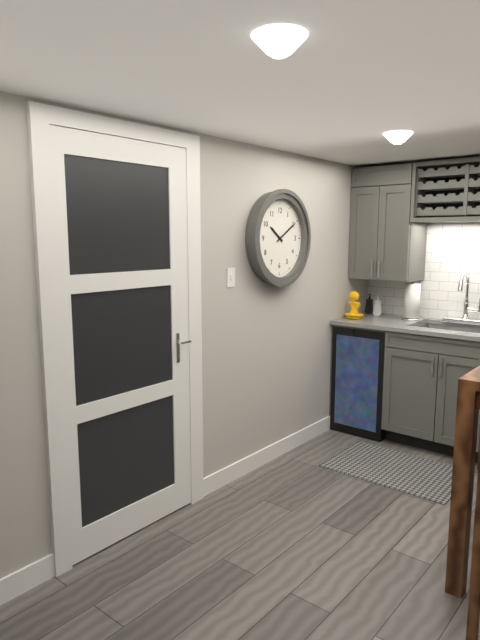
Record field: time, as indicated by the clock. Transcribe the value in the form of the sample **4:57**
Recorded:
**10:10**
